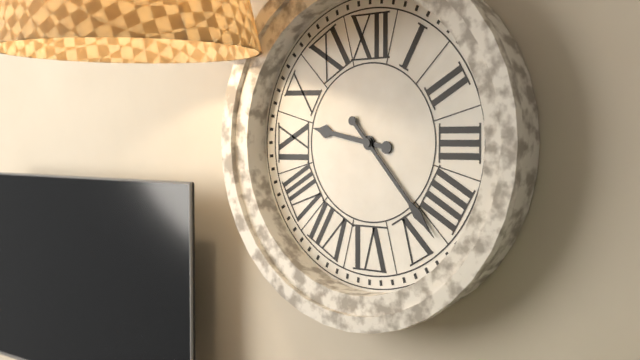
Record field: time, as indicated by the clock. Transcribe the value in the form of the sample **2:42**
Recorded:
**9:23**
